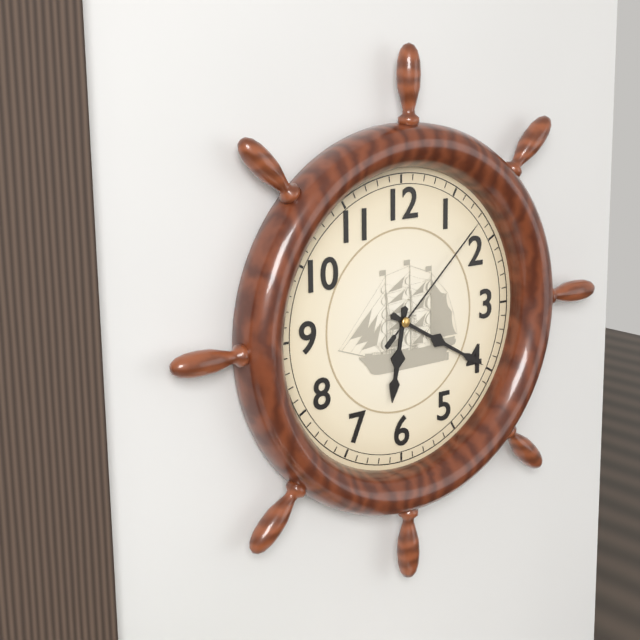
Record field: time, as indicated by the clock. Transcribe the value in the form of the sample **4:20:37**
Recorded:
**6:20:08**
